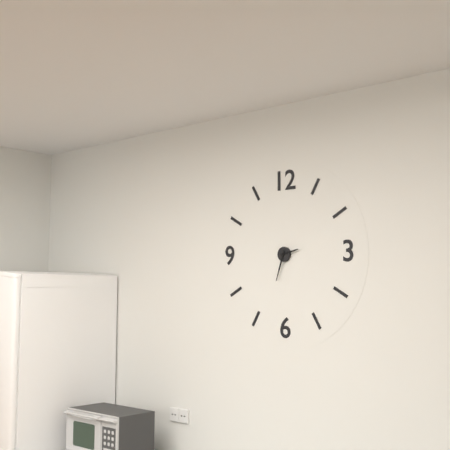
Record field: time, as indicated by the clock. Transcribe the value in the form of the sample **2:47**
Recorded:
**2:33**
